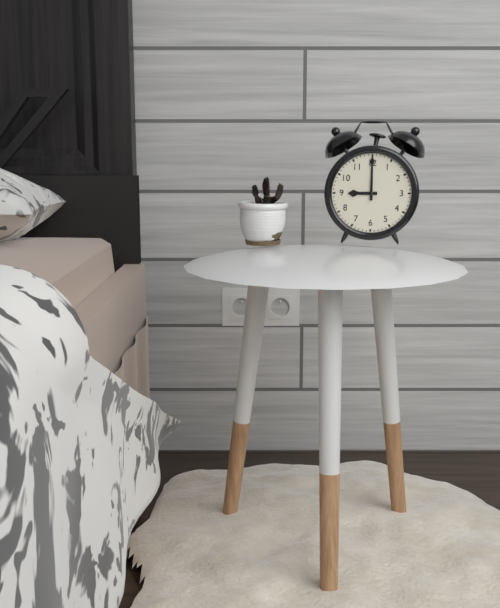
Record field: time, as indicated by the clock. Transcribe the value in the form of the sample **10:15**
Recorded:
**9:00**
